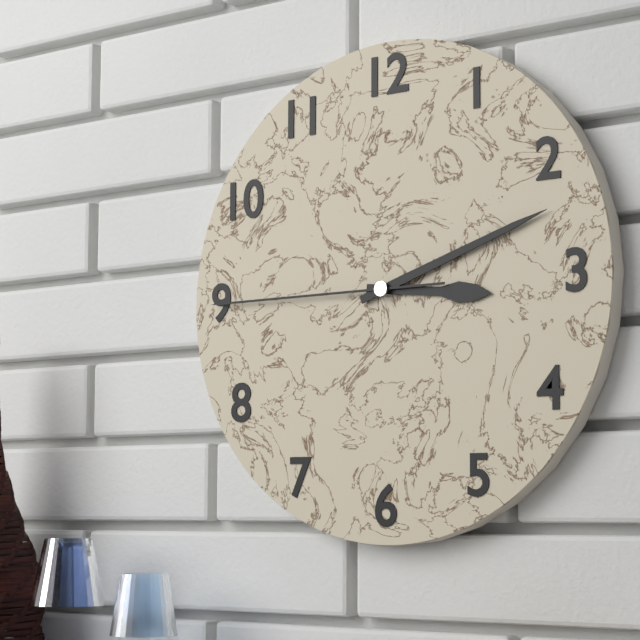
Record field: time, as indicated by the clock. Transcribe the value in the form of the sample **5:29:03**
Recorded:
**3:12:45**
